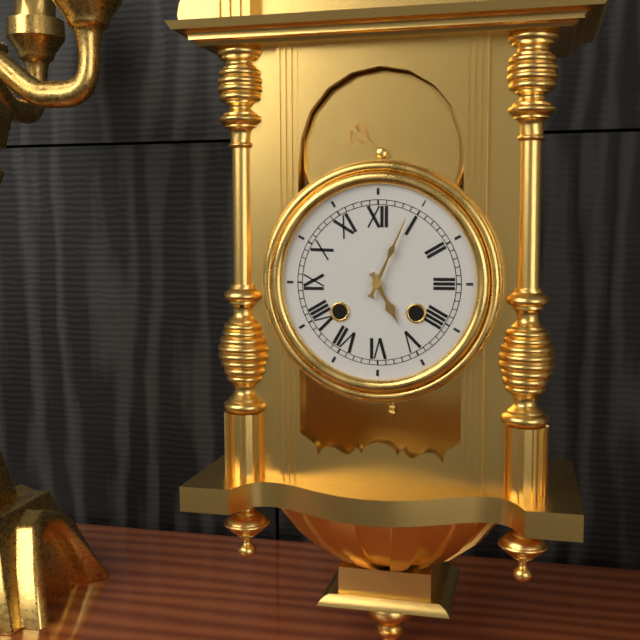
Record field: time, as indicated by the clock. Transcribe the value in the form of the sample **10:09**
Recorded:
**5:04**
